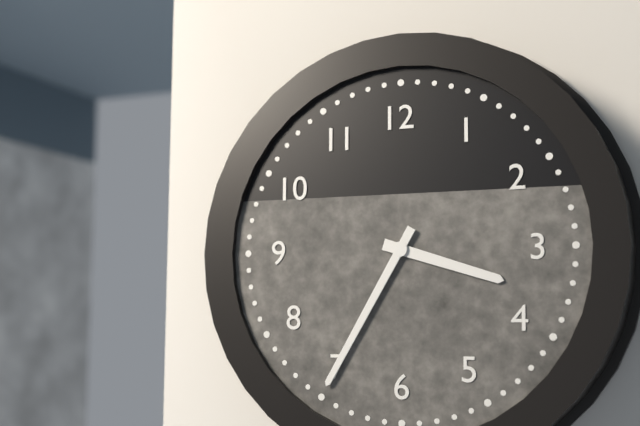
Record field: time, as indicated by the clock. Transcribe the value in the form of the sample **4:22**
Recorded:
**3:35**
